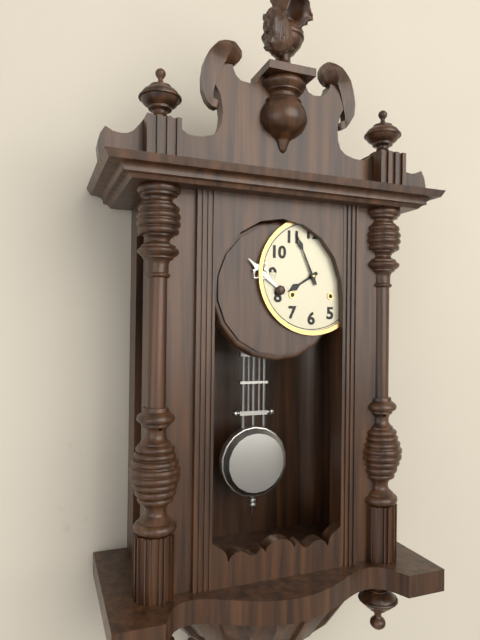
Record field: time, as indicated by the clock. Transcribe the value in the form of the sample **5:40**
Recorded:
**7:56**
